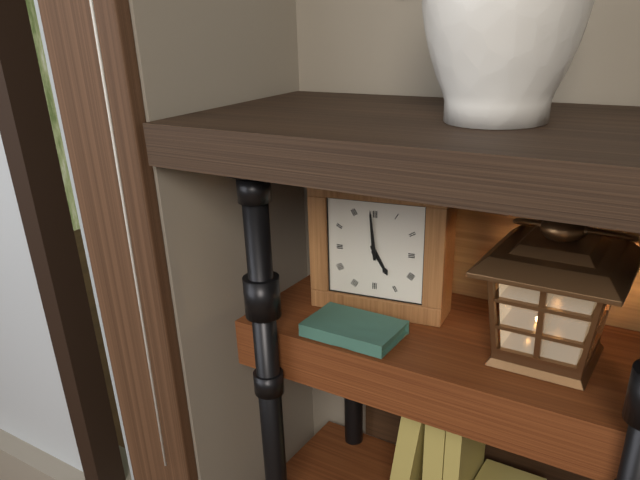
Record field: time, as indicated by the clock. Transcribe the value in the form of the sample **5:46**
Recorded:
**4:59**
